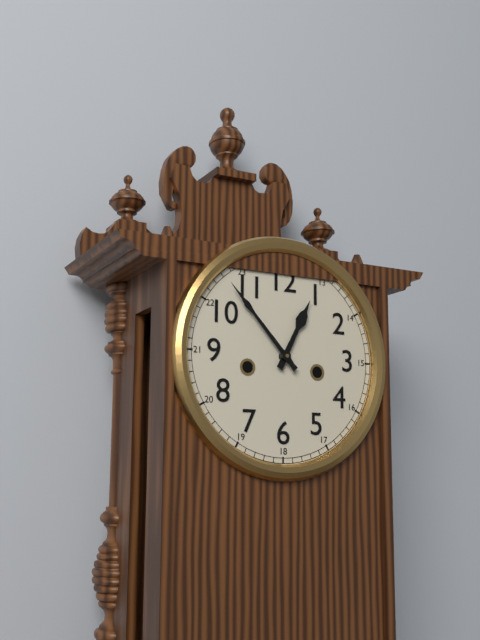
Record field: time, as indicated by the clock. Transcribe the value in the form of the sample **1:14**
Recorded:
**12:53**
